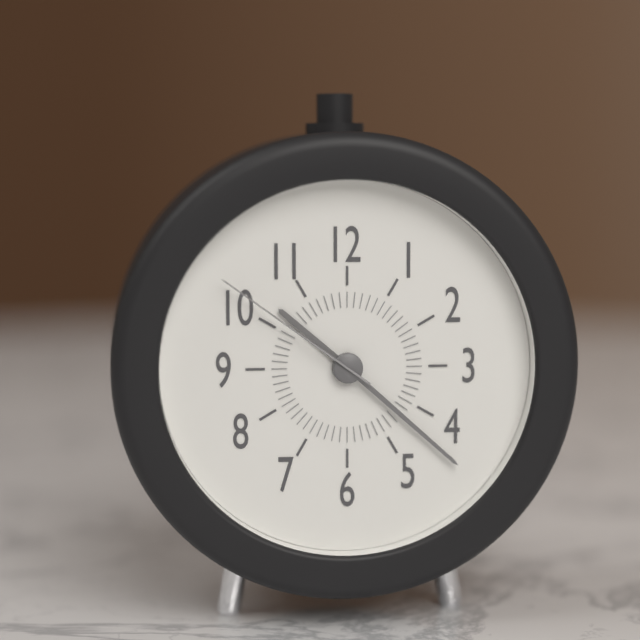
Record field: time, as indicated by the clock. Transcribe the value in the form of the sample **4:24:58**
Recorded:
**10:22:51**
